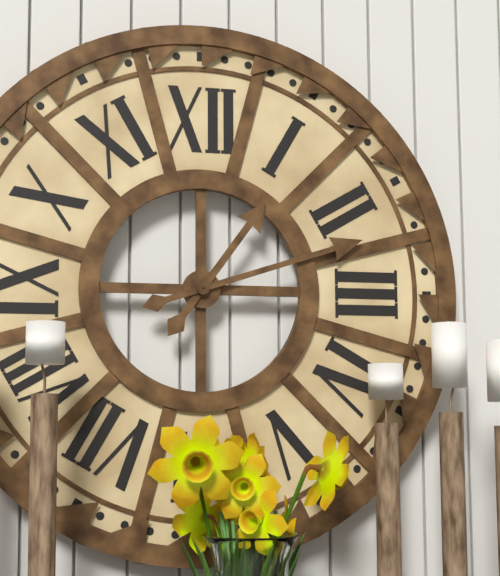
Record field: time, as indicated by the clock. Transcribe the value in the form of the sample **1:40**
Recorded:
**1:12**
